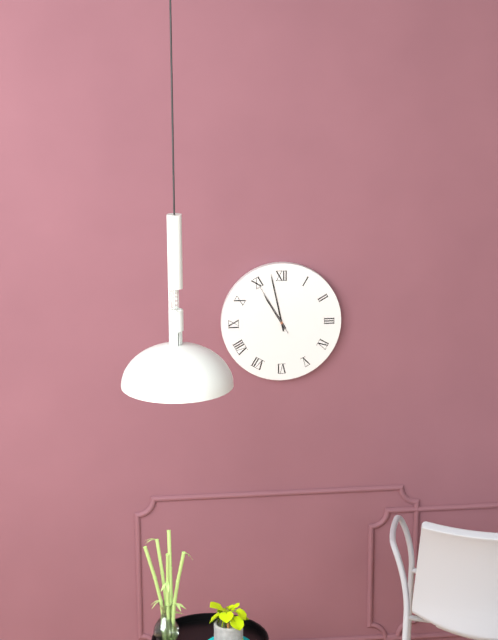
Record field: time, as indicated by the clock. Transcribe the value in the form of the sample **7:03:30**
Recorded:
**10:58:55**
